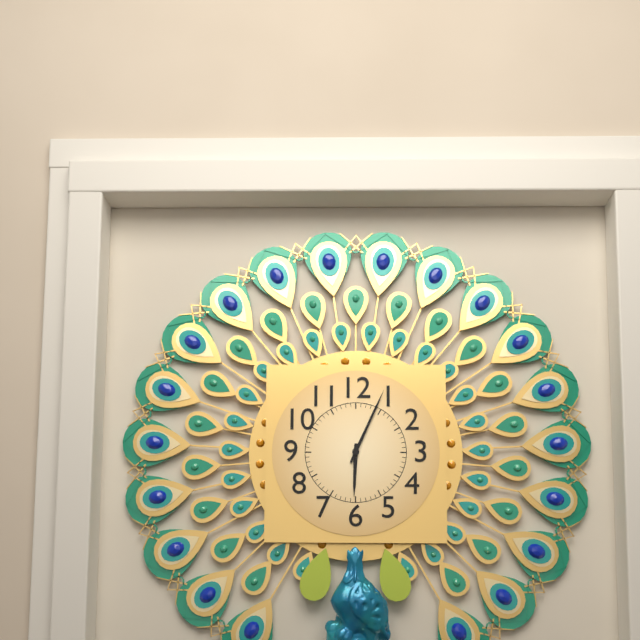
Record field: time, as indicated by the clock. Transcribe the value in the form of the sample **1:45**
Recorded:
**6:04**
